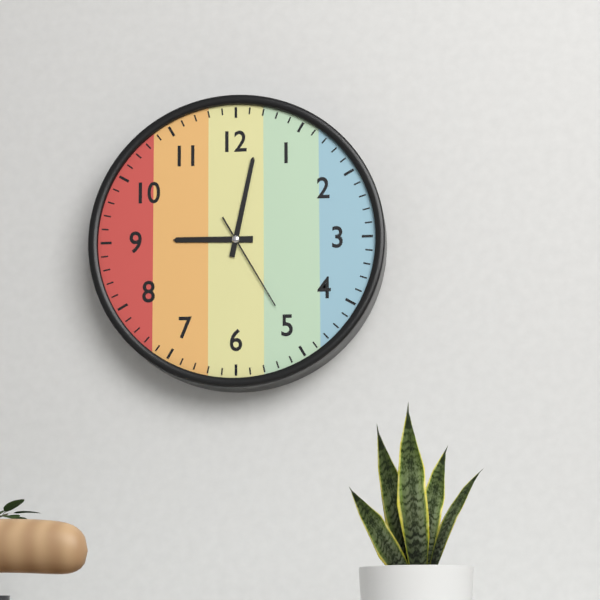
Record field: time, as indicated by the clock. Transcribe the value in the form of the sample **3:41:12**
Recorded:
**9:02:25**
